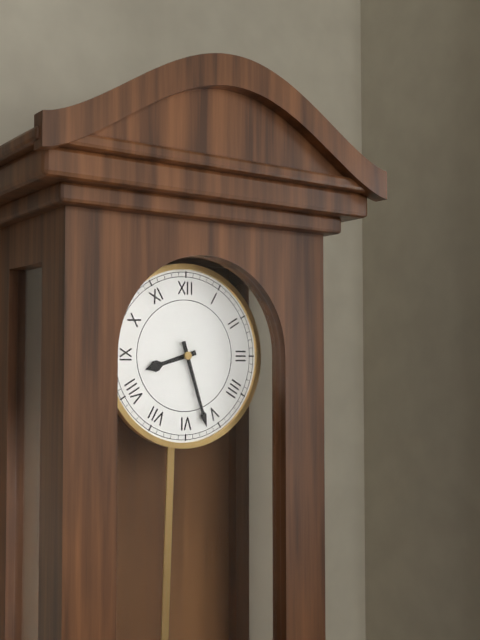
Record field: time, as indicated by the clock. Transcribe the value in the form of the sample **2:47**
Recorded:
**8:27**
